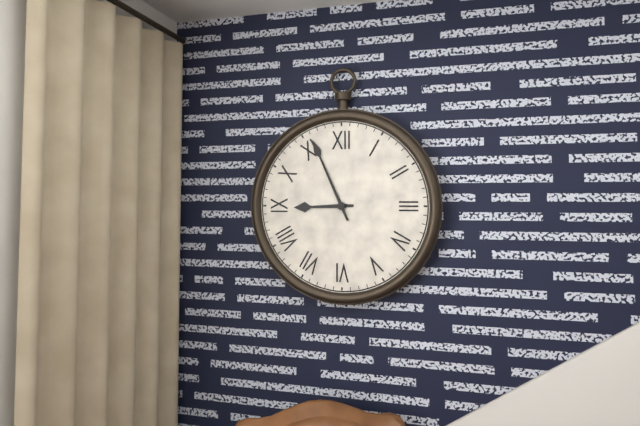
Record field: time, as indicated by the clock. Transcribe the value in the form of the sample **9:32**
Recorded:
**8:56**
